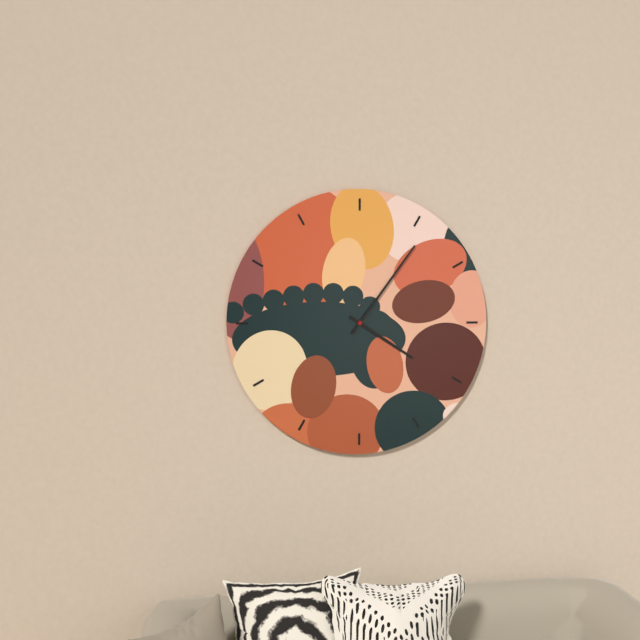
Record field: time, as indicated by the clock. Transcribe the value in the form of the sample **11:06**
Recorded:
**4:06**
